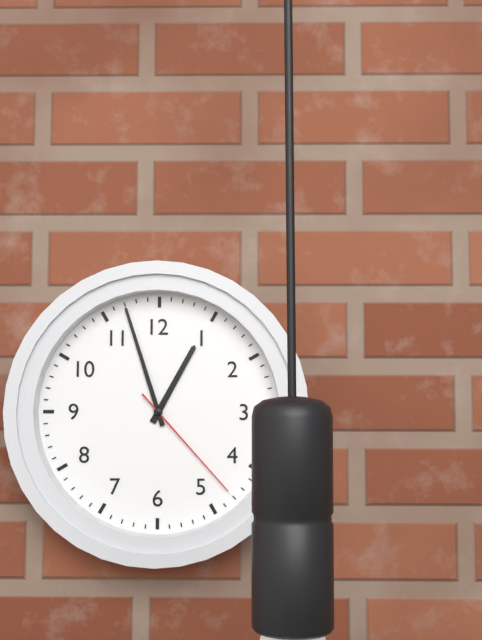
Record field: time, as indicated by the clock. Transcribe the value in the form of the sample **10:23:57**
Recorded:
**12:57:23**
